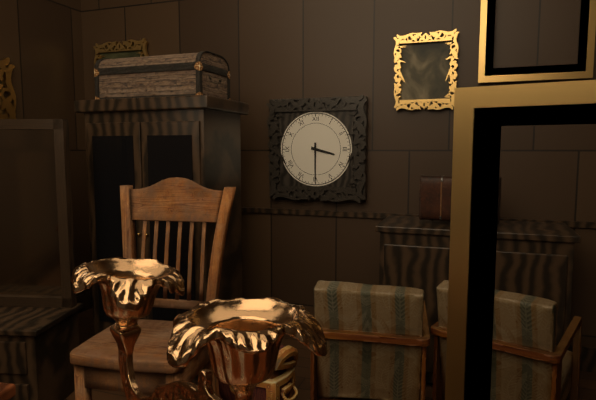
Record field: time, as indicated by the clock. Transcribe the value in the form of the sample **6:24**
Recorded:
**3:30**
